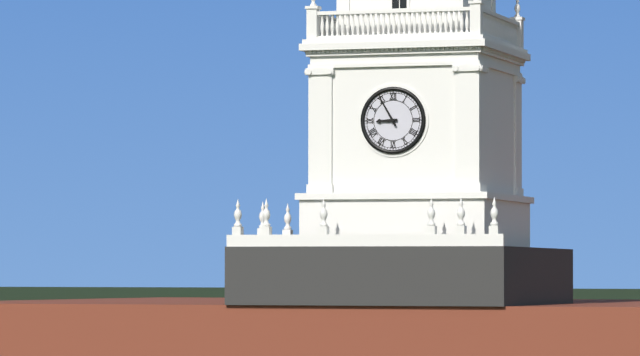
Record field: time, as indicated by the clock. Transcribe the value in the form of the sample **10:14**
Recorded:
**8:55**
